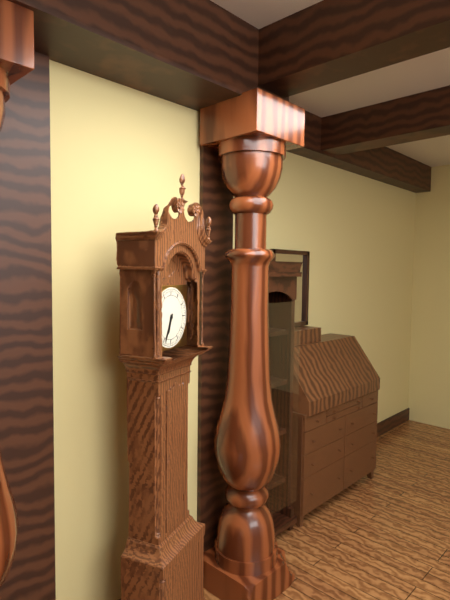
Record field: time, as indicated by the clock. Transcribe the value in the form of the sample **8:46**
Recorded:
**6:34**
